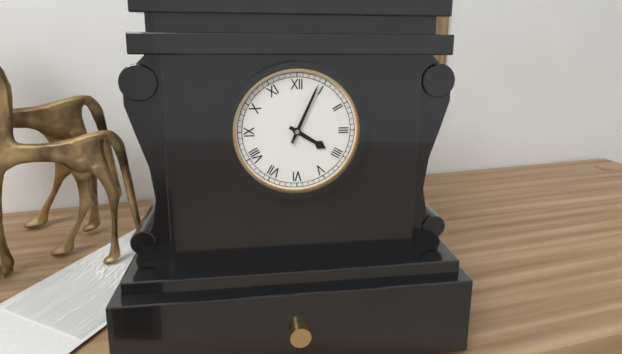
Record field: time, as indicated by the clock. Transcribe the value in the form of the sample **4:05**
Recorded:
**4:04**
